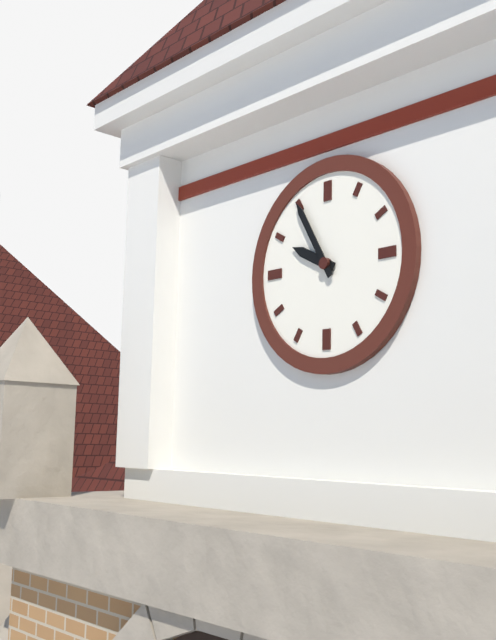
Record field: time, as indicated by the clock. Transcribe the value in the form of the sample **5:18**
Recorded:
**9:55**
